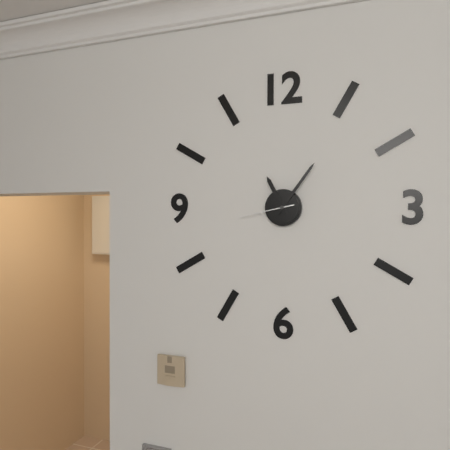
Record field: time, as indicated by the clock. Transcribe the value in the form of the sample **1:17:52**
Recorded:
**11:06:43**
